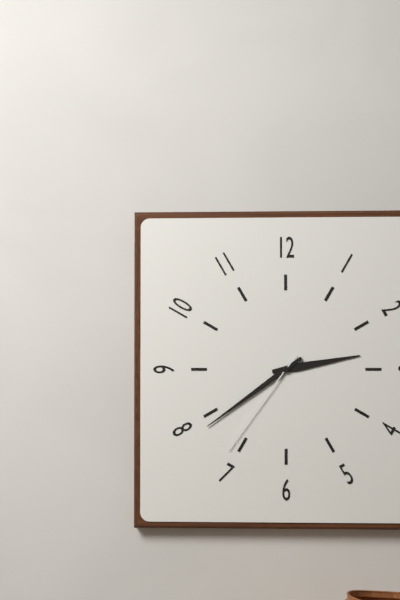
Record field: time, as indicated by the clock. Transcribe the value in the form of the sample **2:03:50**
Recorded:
**2:39:36**
